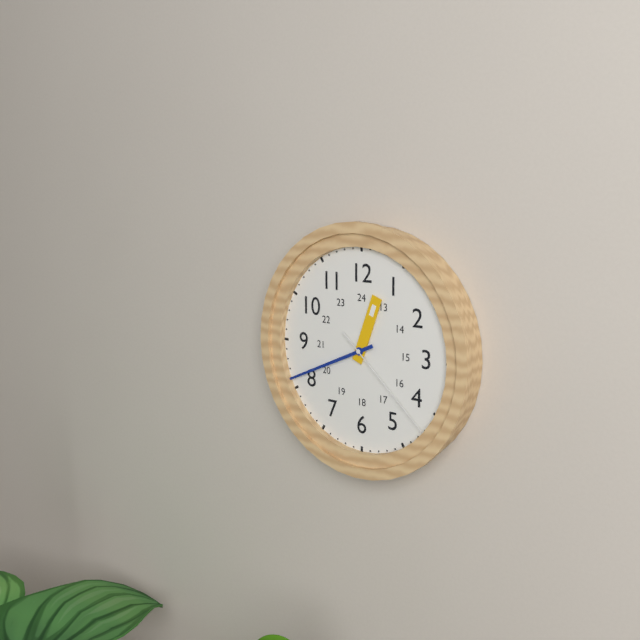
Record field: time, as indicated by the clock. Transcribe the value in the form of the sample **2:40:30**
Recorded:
**12:41:22**
